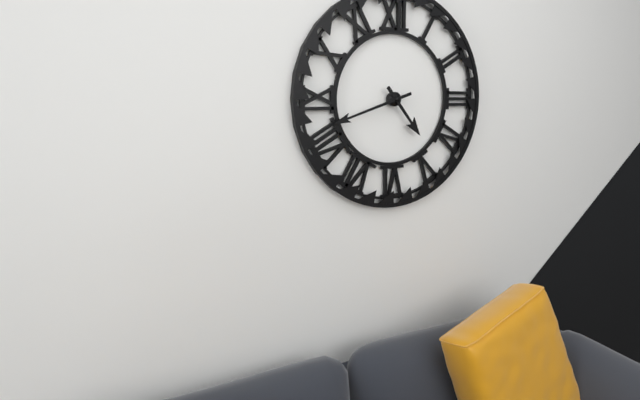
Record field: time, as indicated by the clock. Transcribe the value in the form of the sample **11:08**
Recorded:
**4:42**
